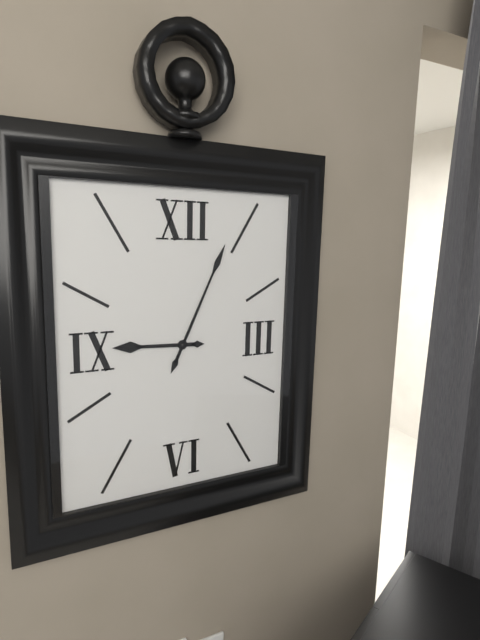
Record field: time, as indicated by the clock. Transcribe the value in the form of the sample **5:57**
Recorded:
**9:04**
